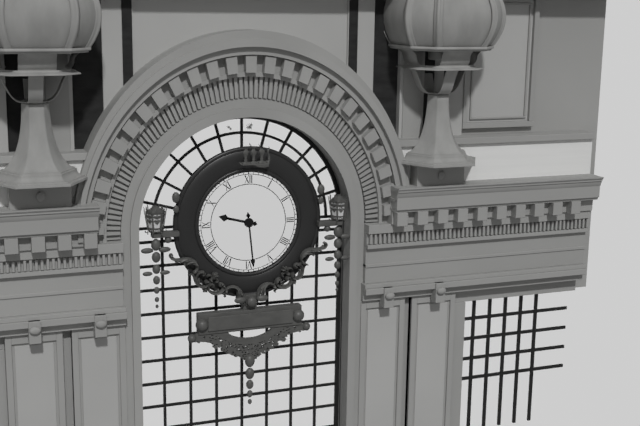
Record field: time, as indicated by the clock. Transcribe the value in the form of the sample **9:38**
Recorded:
**9:29**
